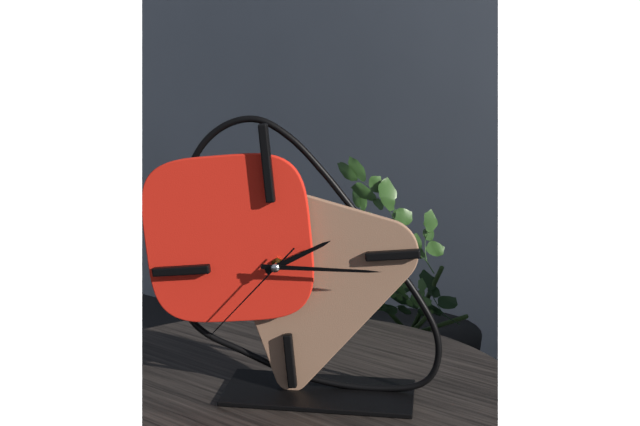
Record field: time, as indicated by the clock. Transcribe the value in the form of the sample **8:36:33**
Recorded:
**2:16:38**
